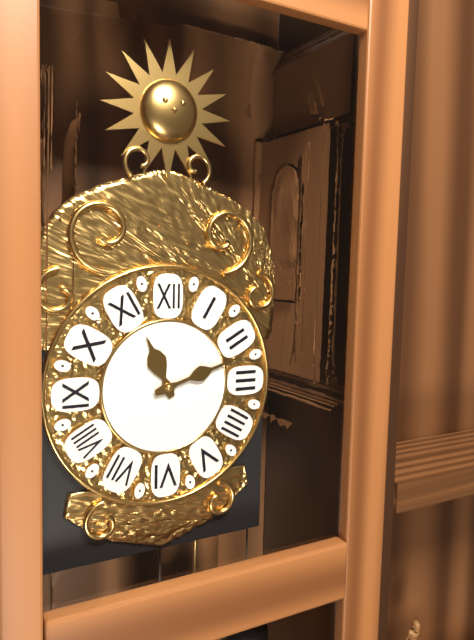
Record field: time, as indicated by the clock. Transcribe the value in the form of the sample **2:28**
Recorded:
**11:12**
